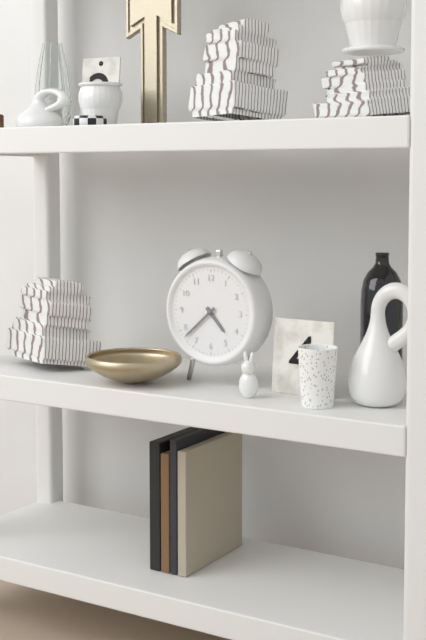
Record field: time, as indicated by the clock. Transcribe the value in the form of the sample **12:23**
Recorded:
**4:38**
